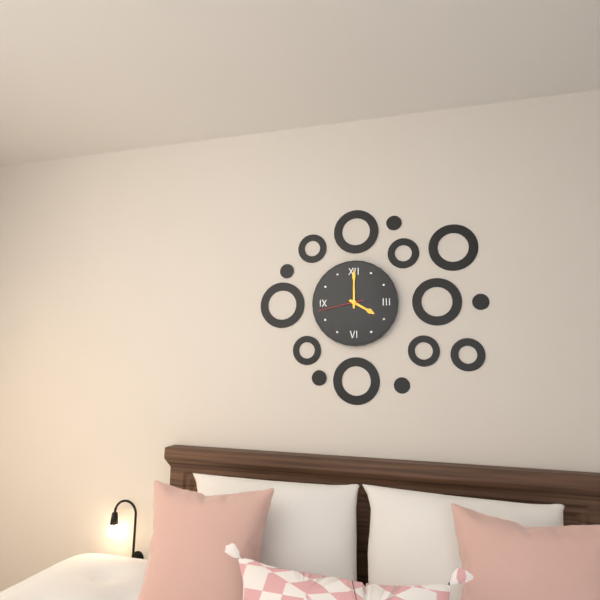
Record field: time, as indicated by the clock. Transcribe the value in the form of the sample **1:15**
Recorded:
**4:00**
